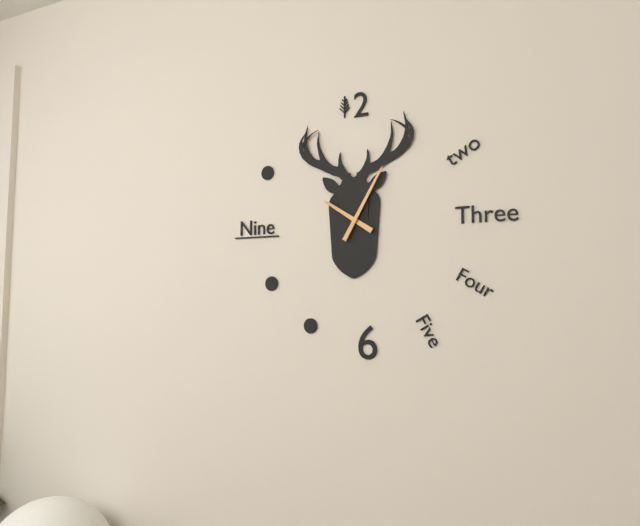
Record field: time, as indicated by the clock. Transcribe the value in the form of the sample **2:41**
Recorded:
**10:05**
